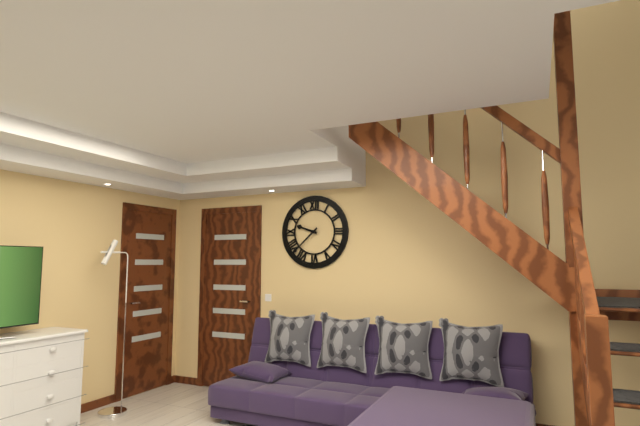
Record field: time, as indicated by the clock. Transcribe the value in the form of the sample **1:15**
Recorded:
**9:38**
